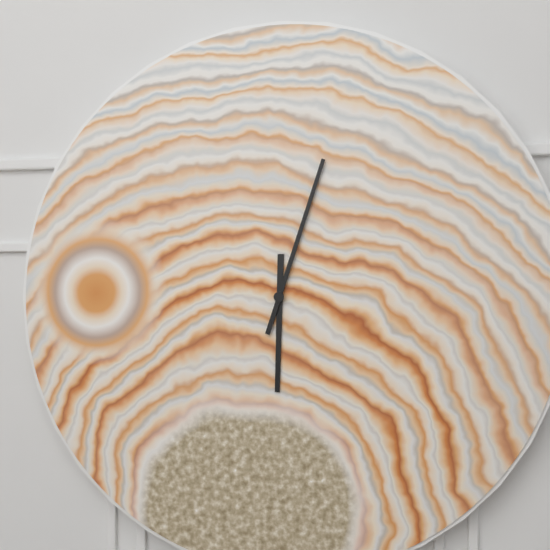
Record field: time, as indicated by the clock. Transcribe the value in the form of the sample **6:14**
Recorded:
**6:03**
